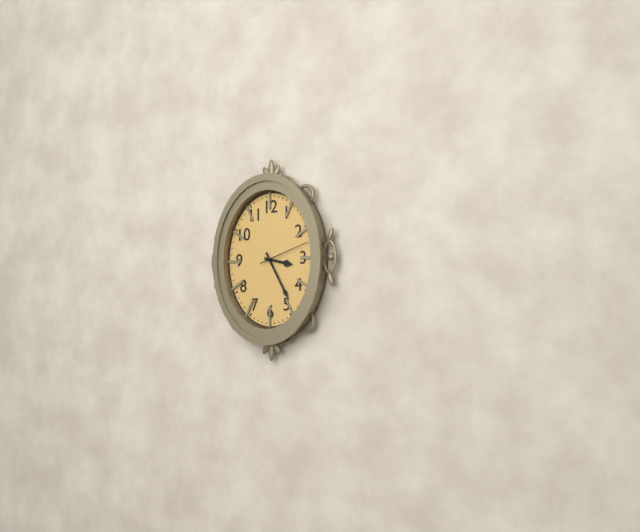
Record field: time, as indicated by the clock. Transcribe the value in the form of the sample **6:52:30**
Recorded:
**3:25:12**
